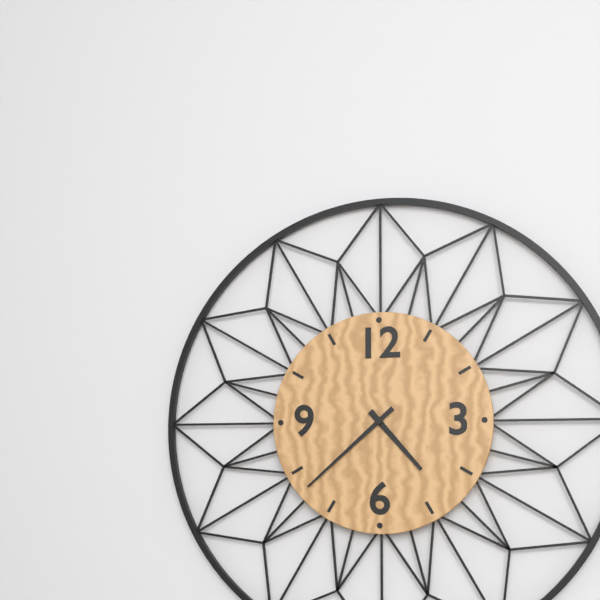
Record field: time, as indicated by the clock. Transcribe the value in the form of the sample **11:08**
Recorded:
**4:38**
